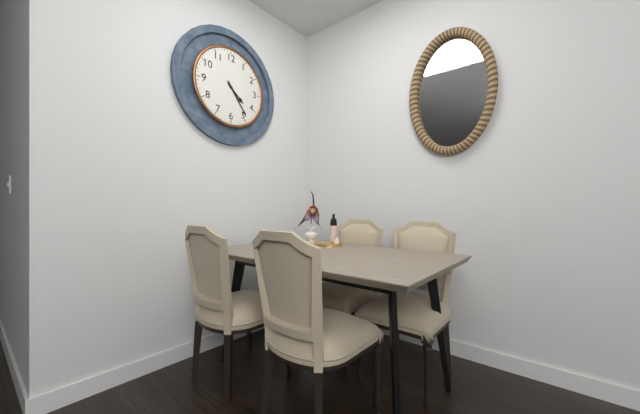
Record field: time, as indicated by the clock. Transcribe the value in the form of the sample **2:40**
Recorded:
**4:24**
